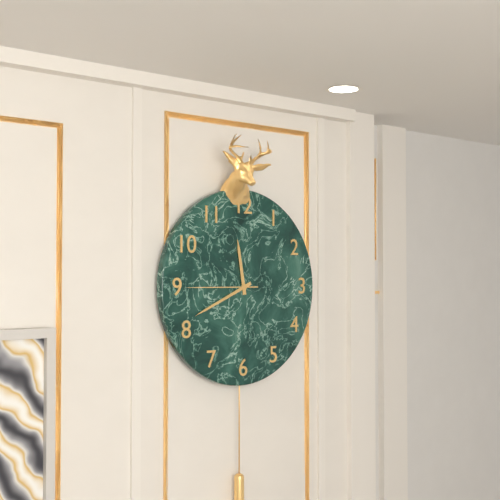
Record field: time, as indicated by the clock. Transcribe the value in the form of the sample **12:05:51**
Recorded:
**11:41:45**
